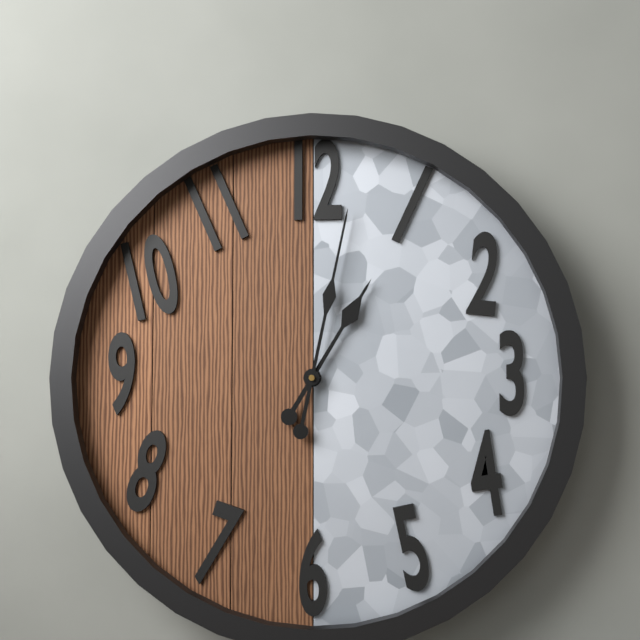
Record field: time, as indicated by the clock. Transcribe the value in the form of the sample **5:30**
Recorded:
**1:02**
